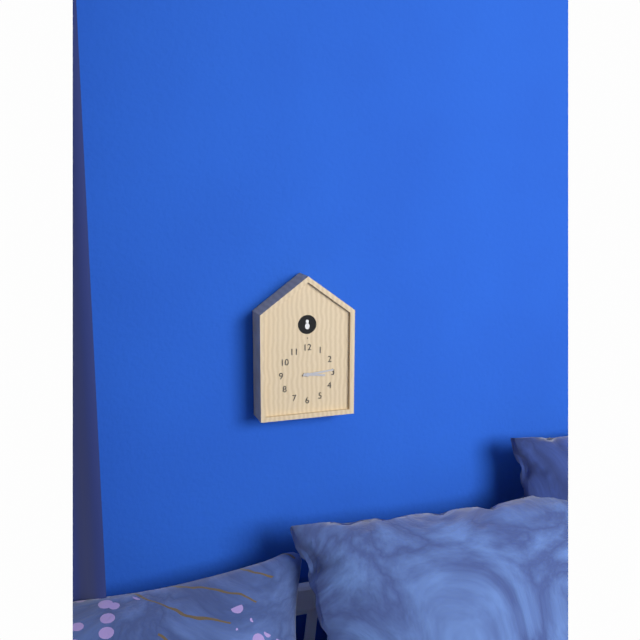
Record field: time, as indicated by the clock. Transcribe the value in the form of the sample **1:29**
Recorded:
**3:14**
